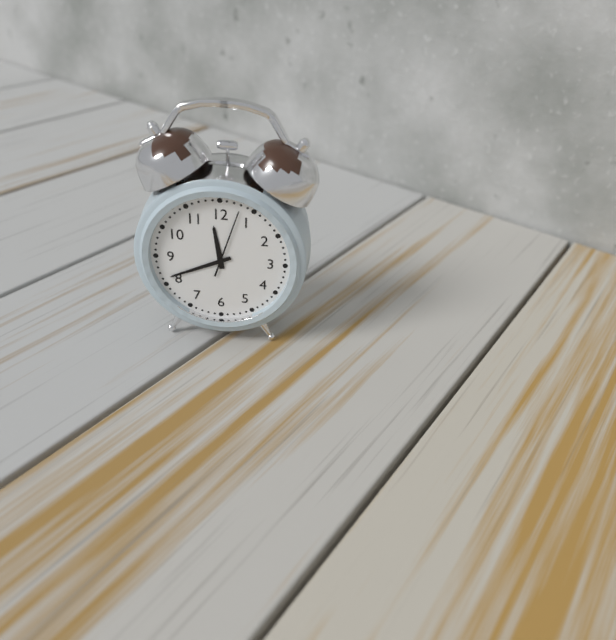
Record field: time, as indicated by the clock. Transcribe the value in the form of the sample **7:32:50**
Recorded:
**11:41:03**
